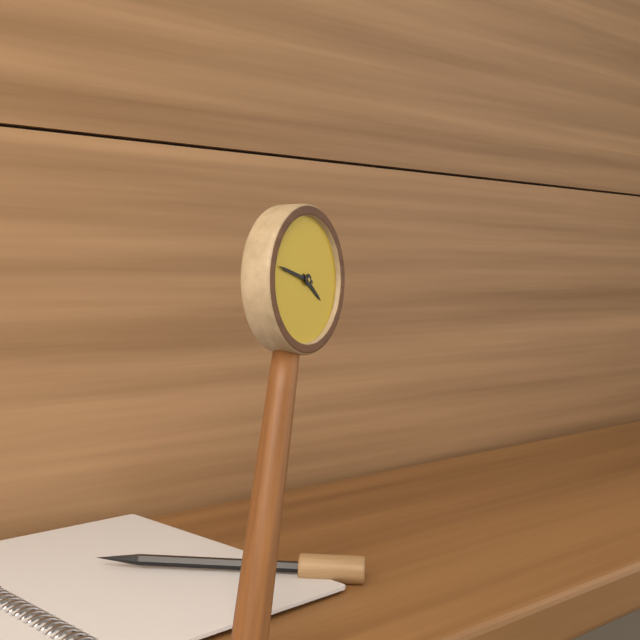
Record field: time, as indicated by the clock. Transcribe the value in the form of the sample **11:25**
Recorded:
**3:45**
